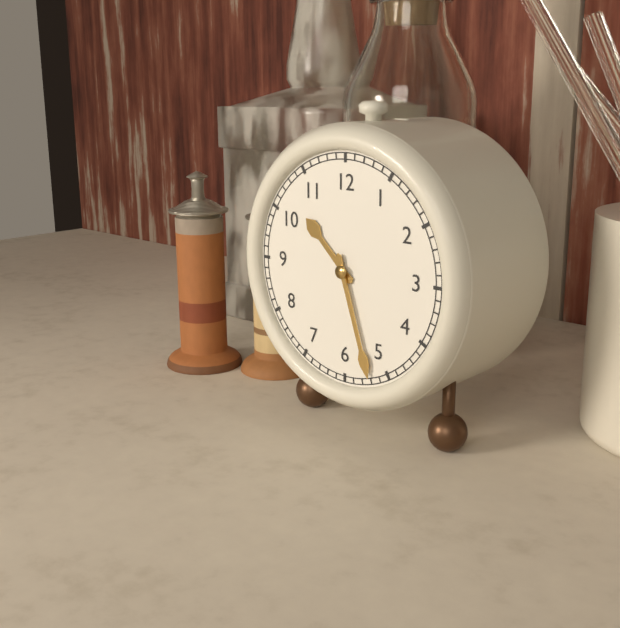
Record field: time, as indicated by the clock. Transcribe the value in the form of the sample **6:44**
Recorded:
**10:27**
